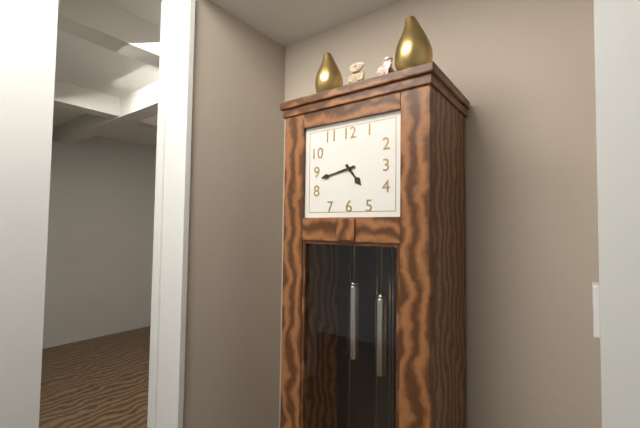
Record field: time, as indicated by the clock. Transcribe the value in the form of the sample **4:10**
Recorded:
**4:43**
